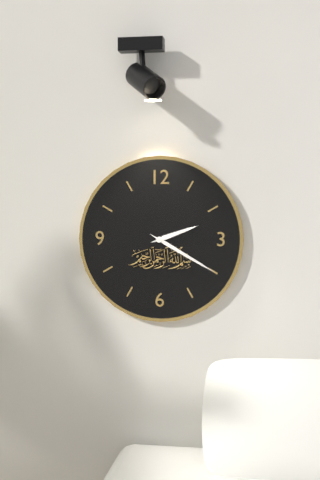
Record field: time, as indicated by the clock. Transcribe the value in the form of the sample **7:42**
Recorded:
**2:20**
